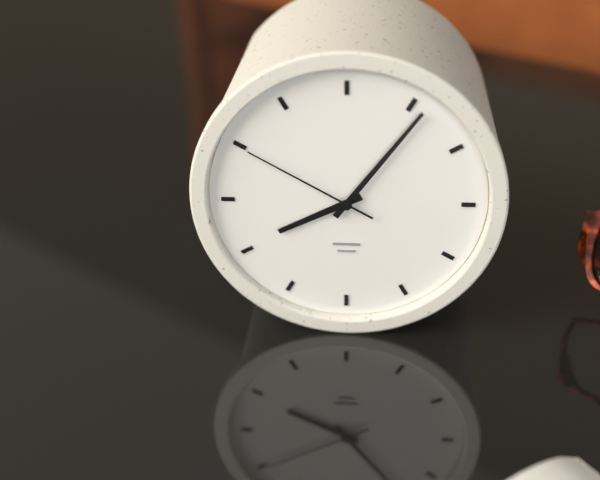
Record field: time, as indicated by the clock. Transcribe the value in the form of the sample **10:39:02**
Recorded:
**8:06:50**
